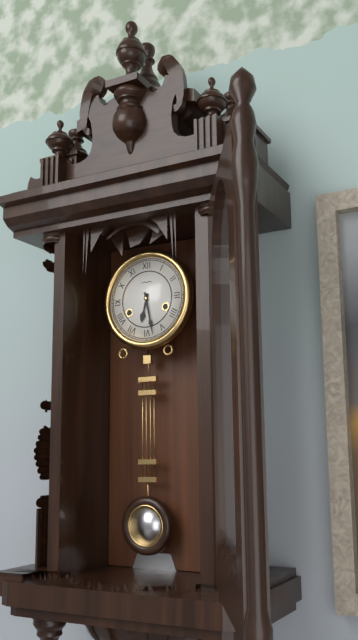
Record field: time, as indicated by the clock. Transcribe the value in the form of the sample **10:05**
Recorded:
**6:28**
